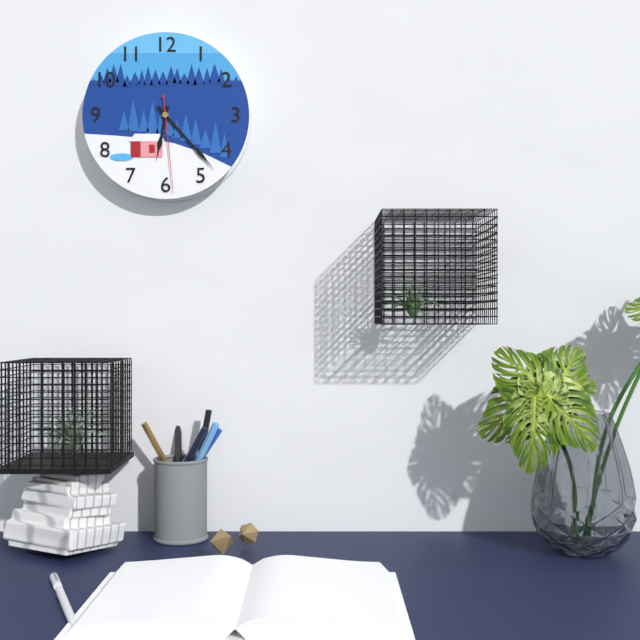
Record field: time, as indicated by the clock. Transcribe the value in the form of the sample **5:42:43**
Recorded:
**6:23:29**
